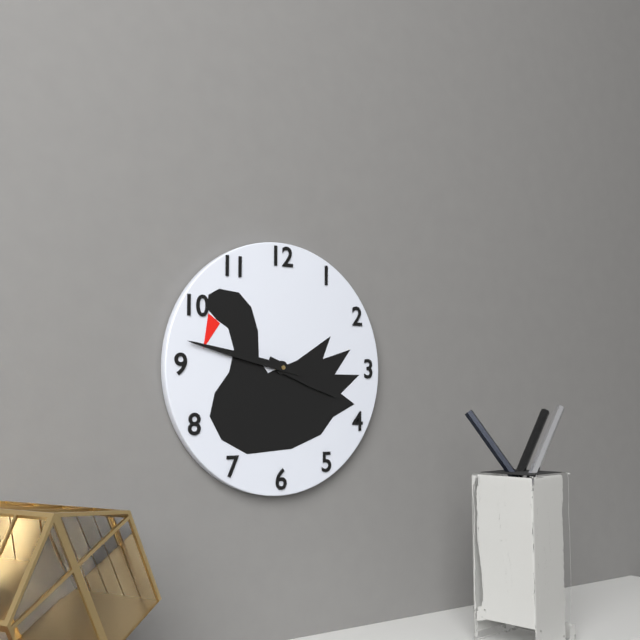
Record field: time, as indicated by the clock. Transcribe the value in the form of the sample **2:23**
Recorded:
**3:47**
